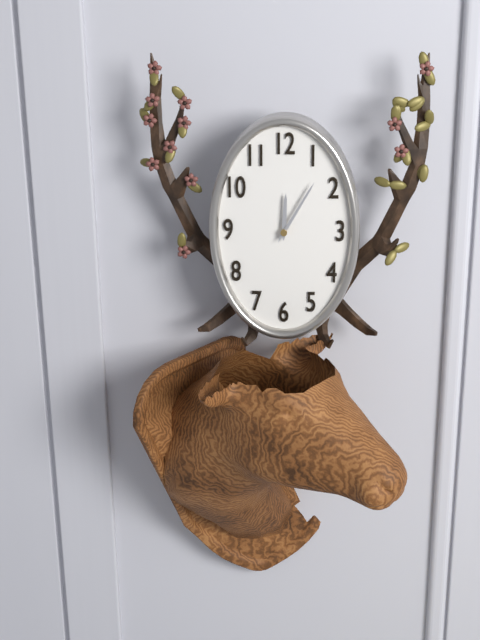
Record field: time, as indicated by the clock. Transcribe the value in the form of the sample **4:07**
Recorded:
**12:05**
